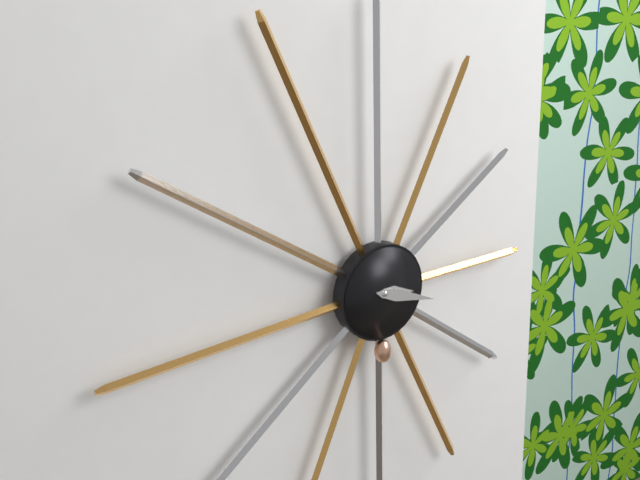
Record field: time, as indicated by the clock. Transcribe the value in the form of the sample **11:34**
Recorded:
**3:18**
